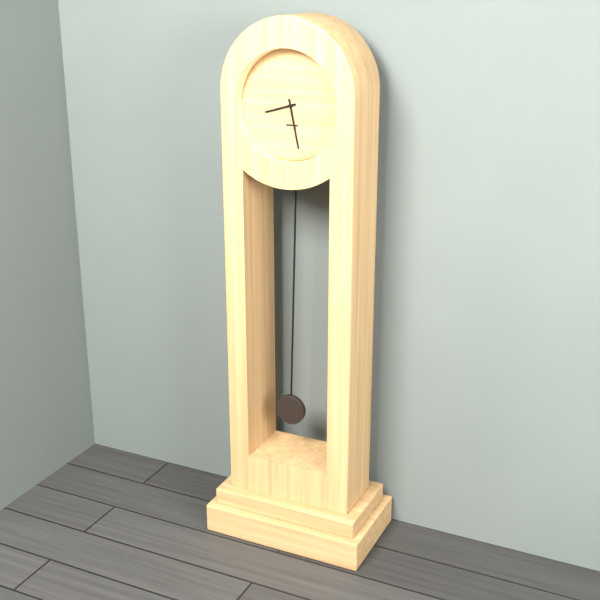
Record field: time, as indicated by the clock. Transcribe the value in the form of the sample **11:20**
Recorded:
**8:28**
